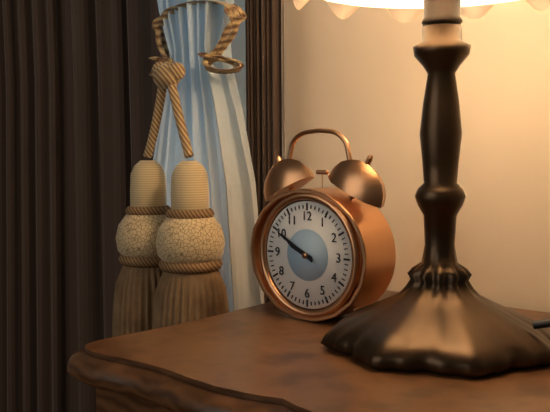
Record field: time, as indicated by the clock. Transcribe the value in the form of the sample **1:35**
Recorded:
**9:50**
